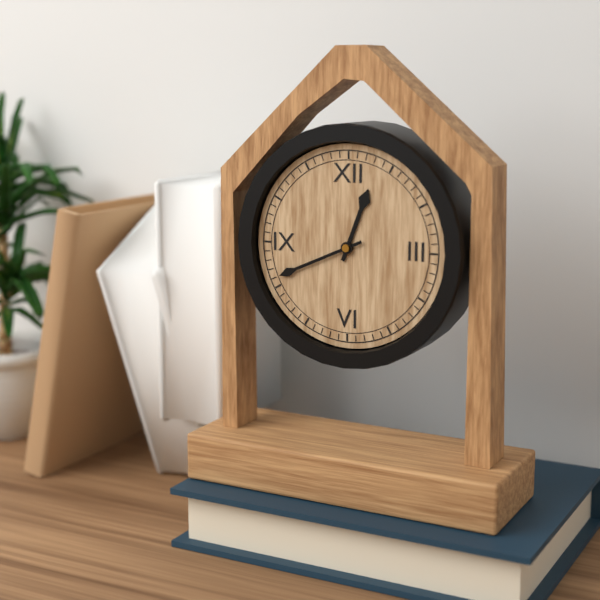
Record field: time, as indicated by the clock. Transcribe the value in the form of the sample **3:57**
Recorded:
**12:41**
